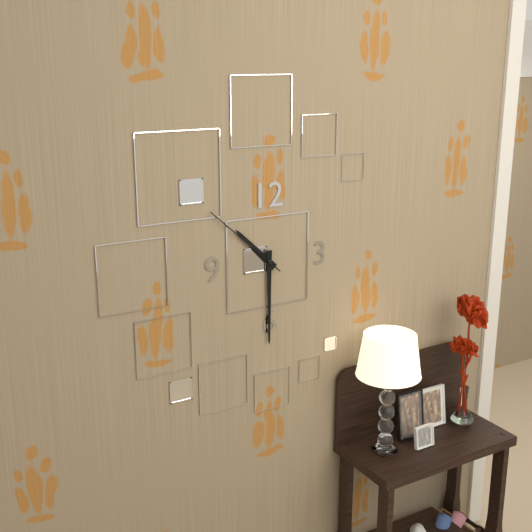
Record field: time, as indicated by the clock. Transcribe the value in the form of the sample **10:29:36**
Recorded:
**10:30:52**
